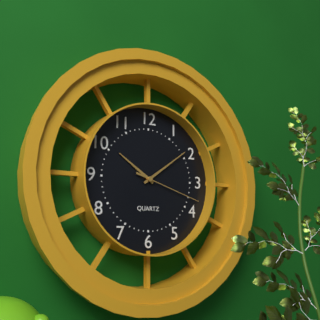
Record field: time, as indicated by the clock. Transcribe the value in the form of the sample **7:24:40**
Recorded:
**10:09:18**
